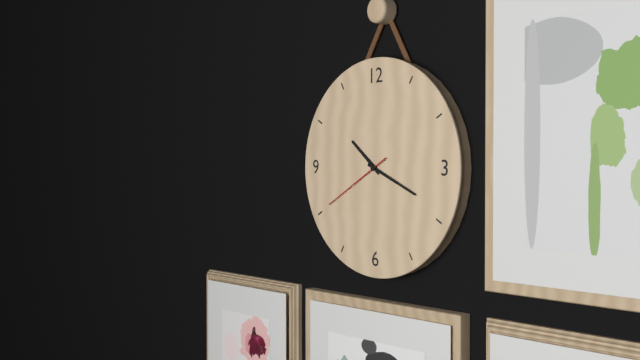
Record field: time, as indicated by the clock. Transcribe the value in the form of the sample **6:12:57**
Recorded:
**10:19:40**
